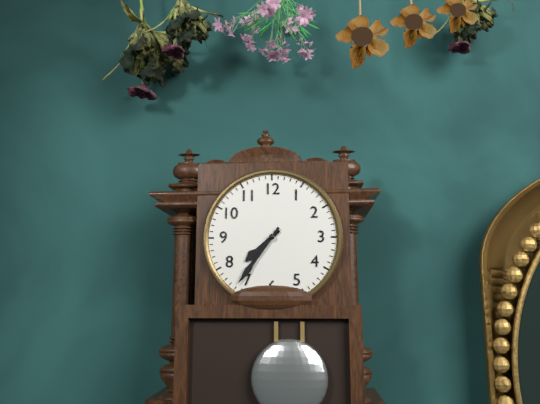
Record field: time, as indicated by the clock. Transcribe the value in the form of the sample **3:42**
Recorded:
**7:36**
